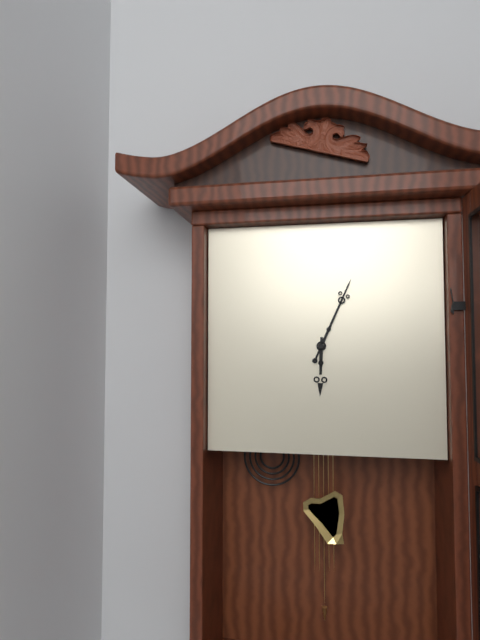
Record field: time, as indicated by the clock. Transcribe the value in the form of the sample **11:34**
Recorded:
**6:04**
